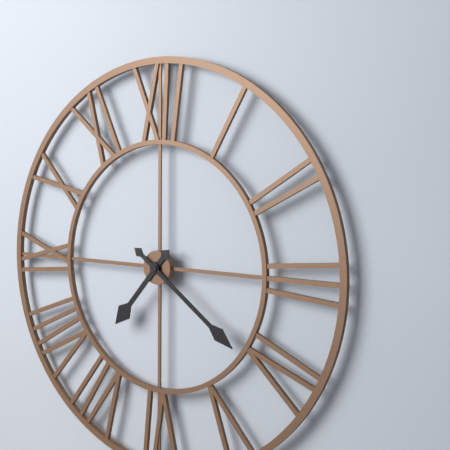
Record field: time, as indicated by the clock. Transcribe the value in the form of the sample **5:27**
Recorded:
**7:21**
